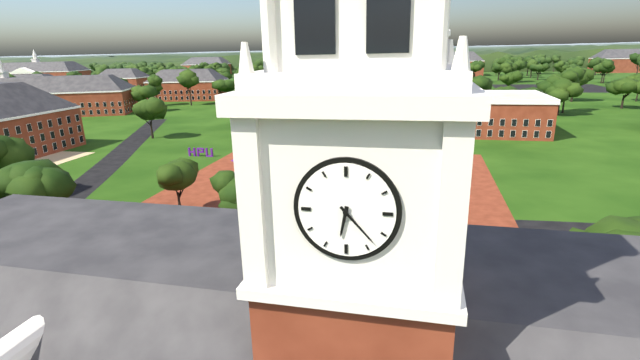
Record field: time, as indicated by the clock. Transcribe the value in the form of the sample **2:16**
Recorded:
**6:23**
